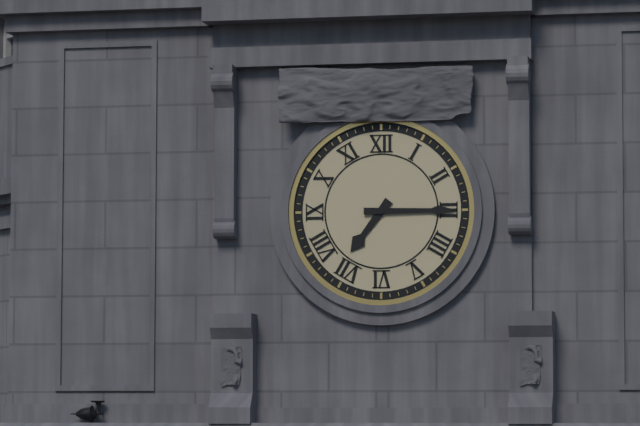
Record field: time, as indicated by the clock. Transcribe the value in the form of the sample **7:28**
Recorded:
**7:15**
